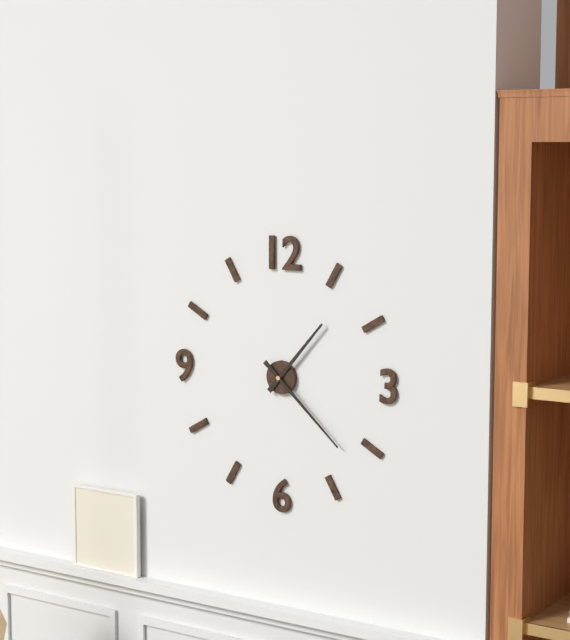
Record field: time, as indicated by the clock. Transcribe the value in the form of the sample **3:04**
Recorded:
**1:22**
